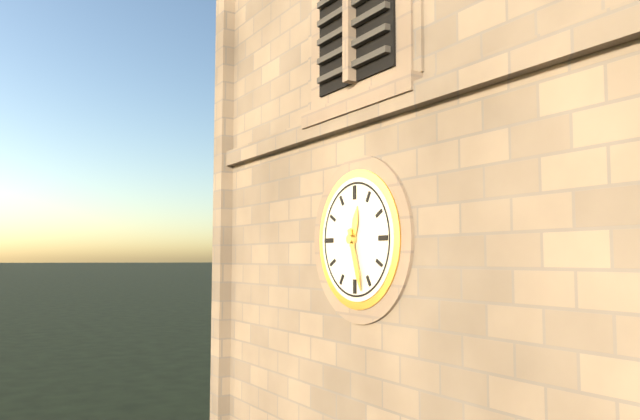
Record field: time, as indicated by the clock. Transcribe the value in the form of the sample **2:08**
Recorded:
**12:27**
